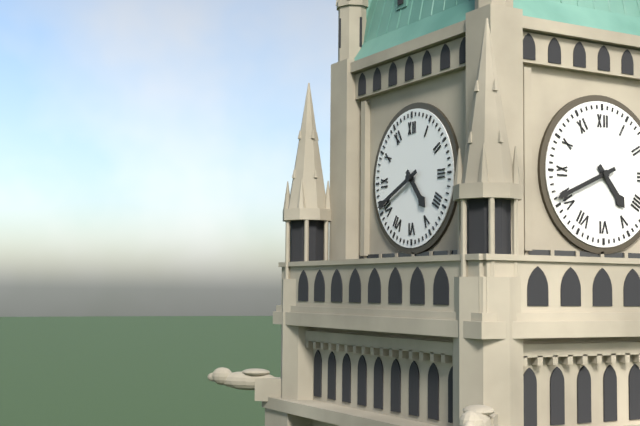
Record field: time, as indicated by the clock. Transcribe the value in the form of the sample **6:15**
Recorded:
**4:41**
